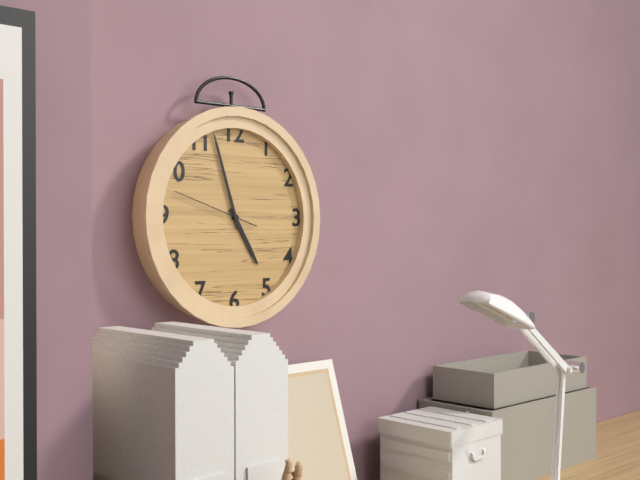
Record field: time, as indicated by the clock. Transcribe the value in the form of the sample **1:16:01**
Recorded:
**4:57:48**
